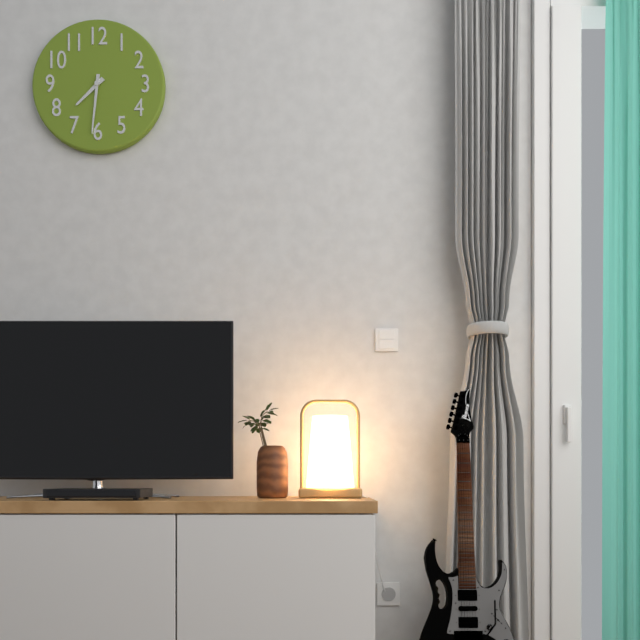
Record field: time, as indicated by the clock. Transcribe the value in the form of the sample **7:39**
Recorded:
**7:31**
